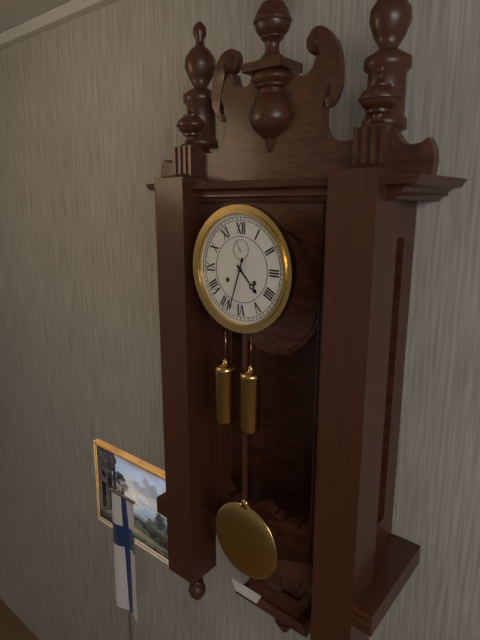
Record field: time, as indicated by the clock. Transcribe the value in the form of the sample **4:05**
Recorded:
**4:33**
